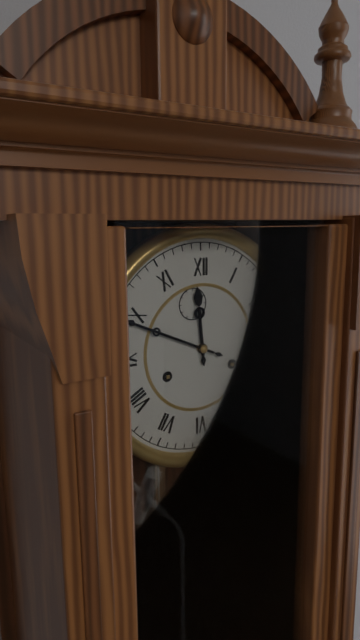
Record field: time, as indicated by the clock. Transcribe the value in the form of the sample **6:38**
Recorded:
**11:49**
